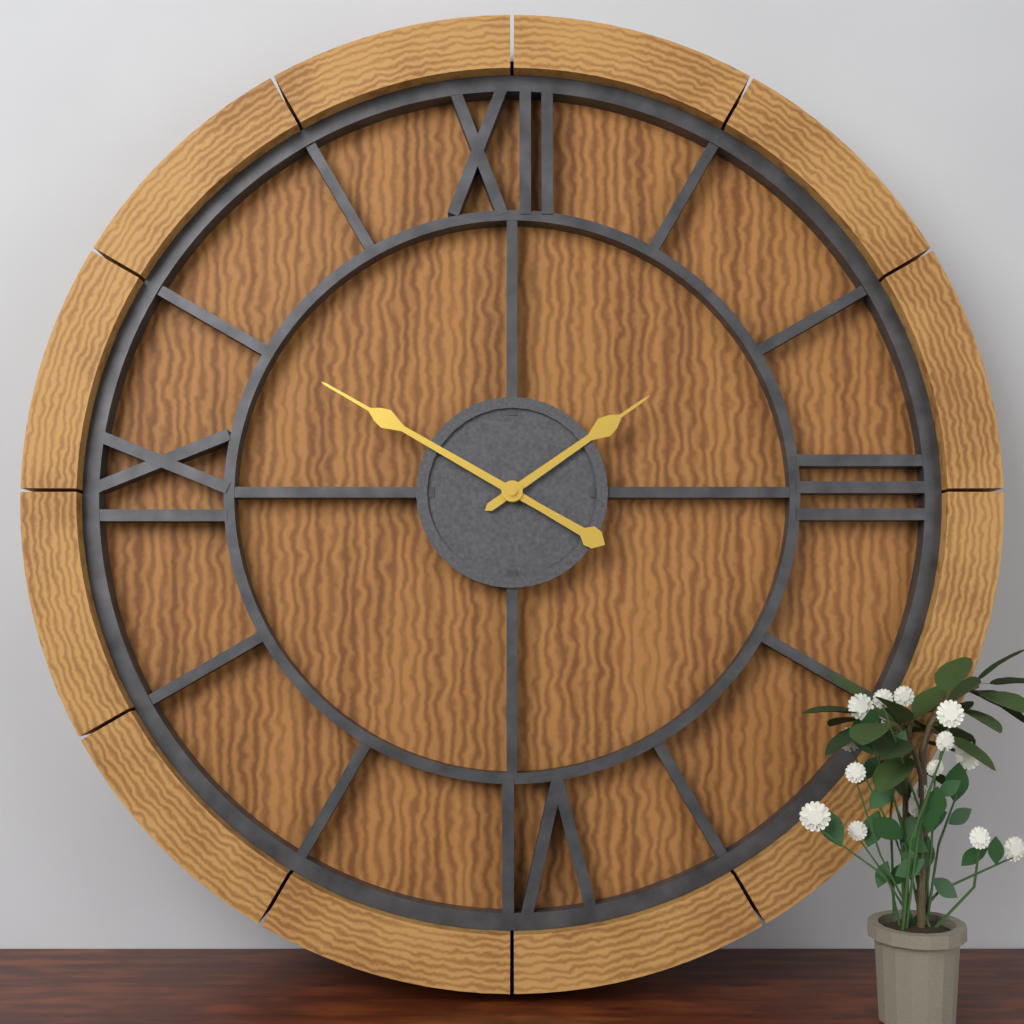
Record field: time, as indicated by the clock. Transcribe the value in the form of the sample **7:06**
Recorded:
**1:50**
